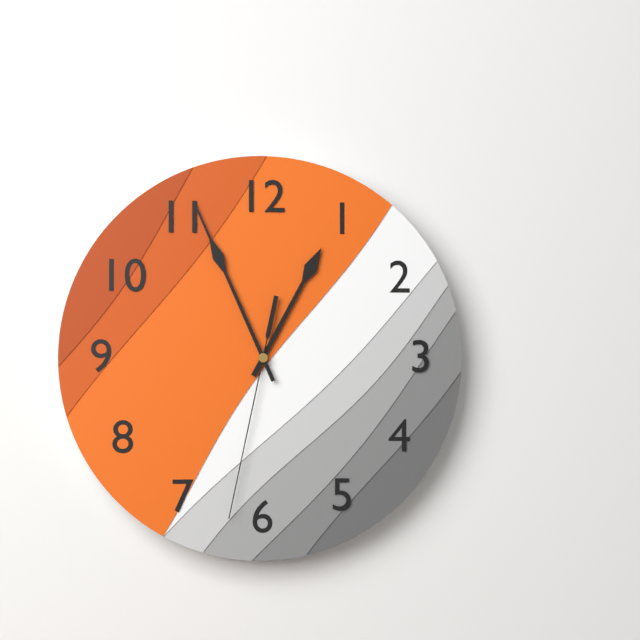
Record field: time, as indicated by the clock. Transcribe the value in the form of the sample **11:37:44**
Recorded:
**12:56:32**
